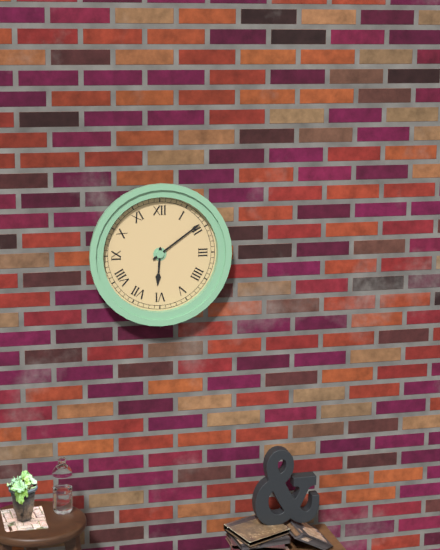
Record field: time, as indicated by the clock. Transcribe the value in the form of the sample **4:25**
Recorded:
**6:09**
